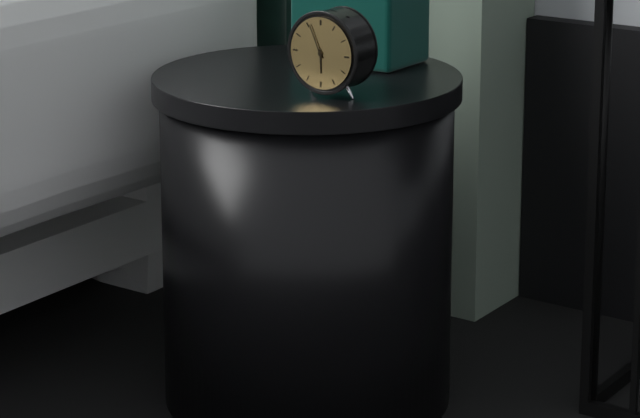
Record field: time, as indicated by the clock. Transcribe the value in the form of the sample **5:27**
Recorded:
**5:56**
